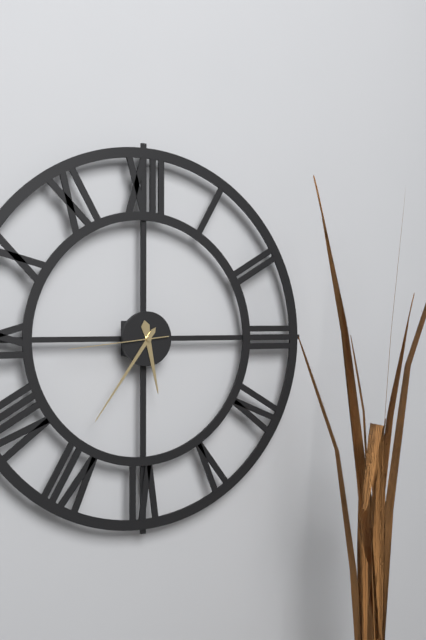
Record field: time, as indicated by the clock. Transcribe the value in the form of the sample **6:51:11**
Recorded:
**5:36:44**
